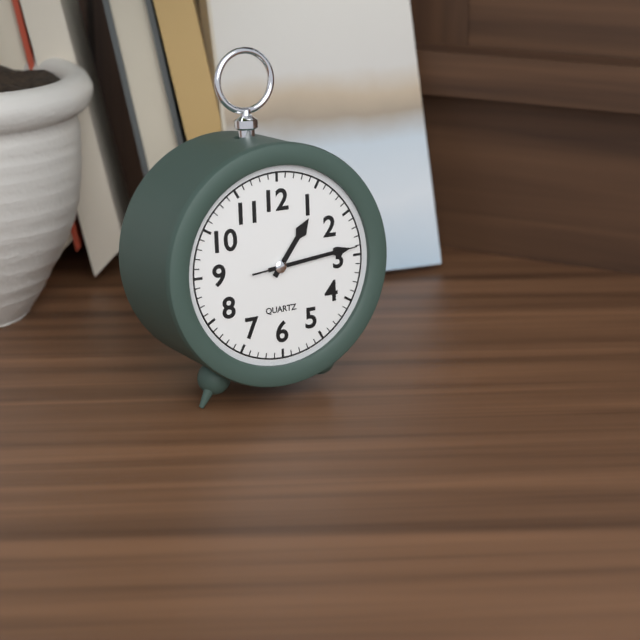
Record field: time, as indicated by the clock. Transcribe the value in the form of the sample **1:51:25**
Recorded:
**1:14:14**
